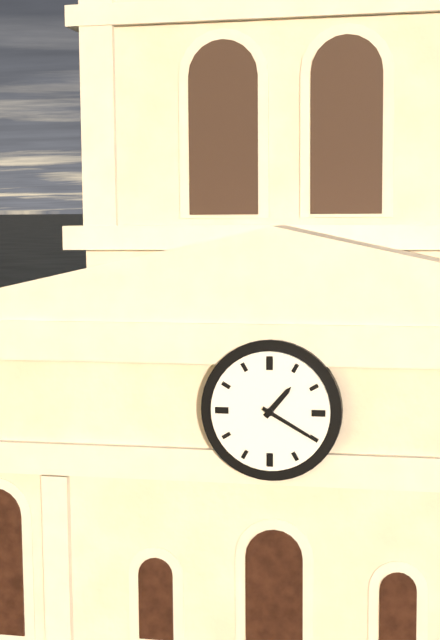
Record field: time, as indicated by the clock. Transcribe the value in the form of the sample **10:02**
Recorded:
**1:20**
